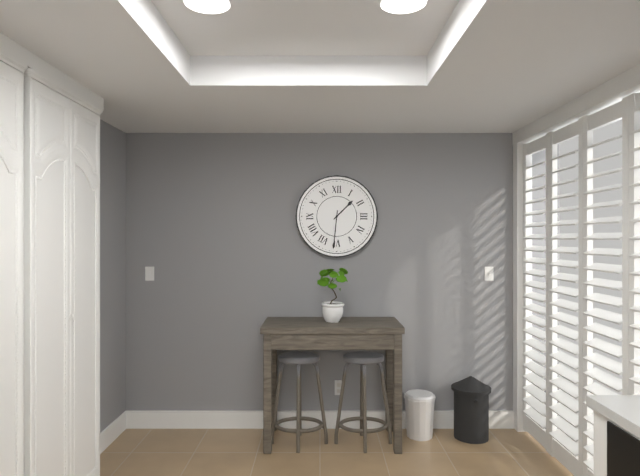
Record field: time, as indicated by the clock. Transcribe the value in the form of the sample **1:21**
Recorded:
**1:31**
